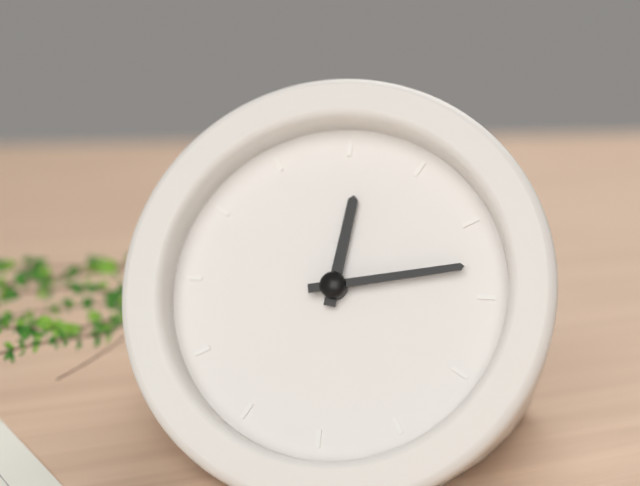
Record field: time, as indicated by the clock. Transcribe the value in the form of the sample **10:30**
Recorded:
**12:13**
